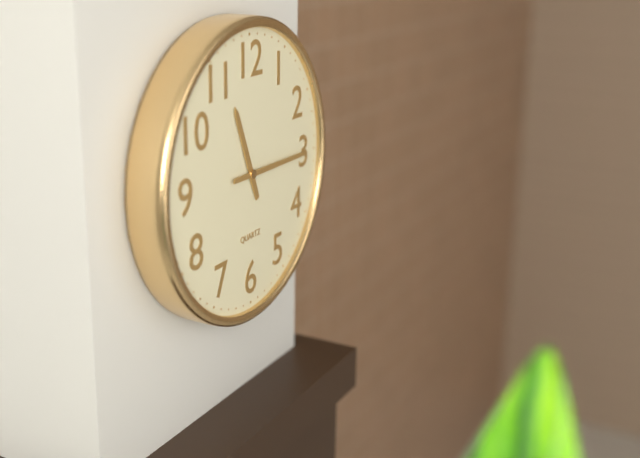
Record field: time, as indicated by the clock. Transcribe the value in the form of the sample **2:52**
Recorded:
**11:15**
